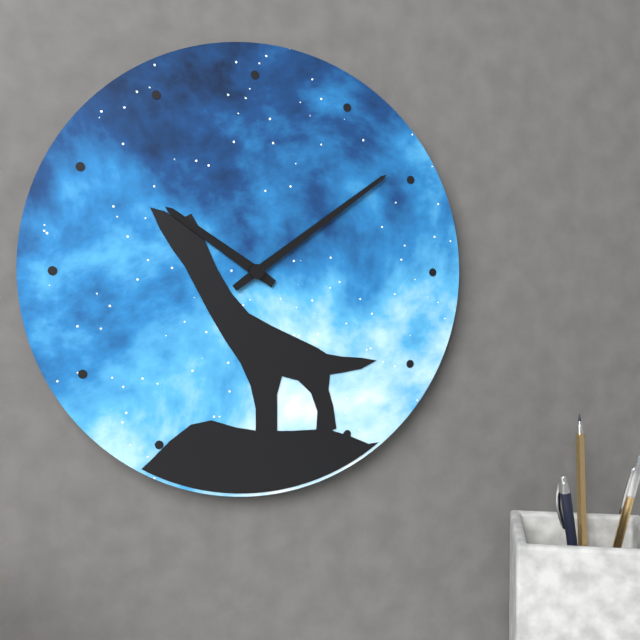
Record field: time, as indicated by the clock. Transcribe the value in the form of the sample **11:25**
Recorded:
**10:09**
